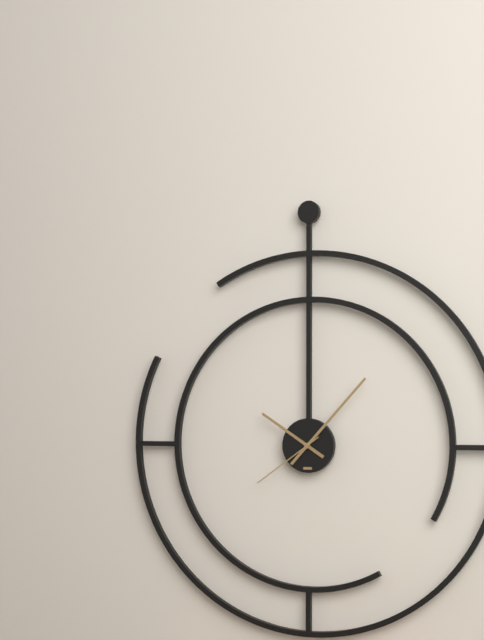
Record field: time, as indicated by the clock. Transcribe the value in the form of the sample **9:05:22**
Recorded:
**10:07:39**
